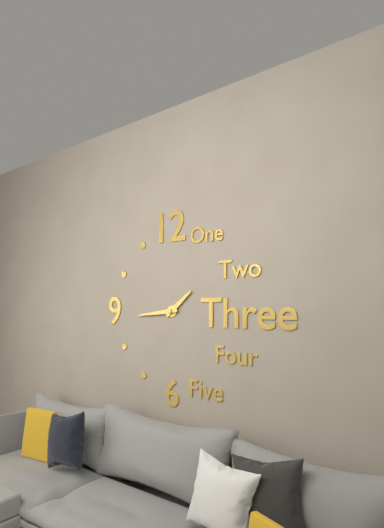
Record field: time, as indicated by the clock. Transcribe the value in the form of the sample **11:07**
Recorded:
**1:44**
